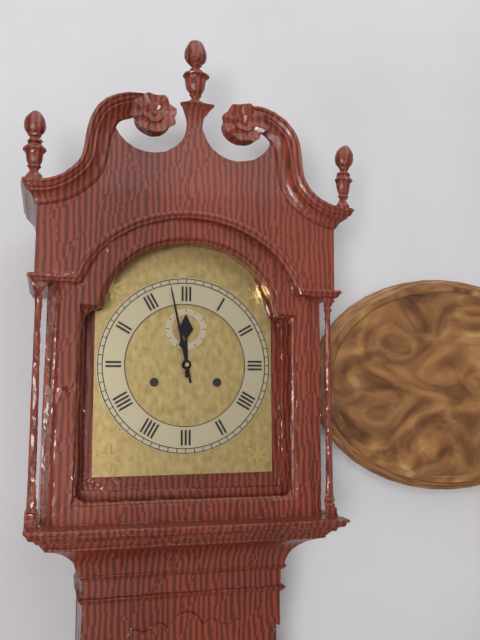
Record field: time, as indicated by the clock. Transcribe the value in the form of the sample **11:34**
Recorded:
**11:58**
